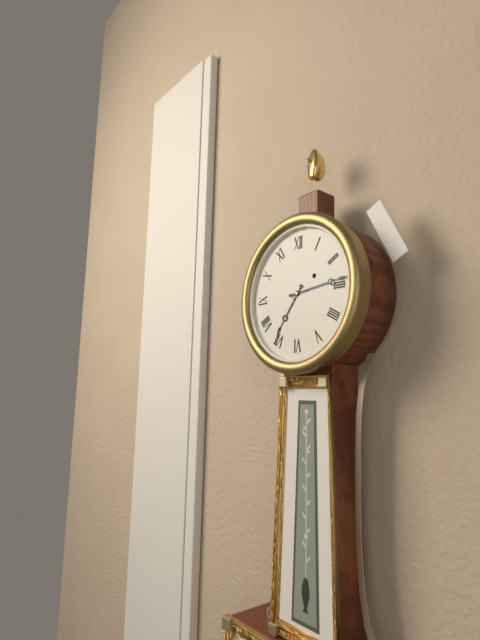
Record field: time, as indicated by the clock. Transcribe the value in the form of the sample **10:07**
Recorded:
**7:14**
